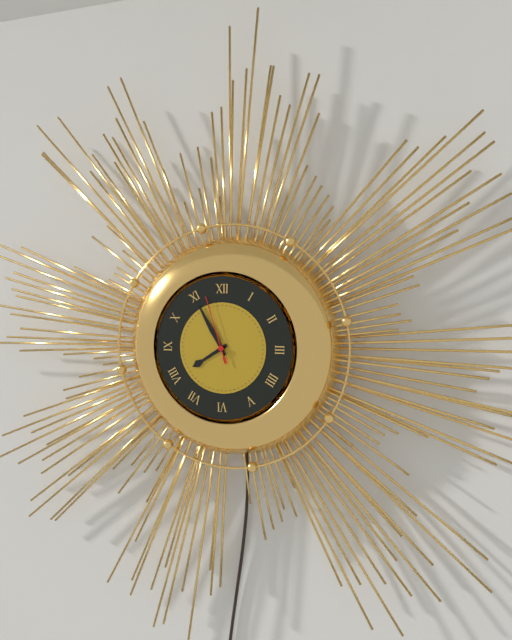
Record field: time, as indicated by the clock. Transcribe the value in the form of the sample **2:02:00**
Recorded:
**7:55:57**
